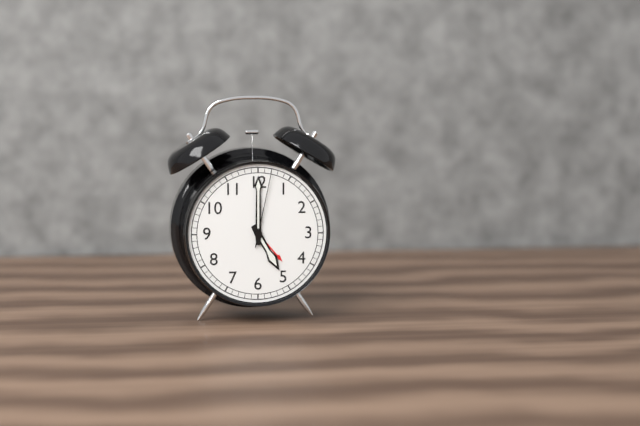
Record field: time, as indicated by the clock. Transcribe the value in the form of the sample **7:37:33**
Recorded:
**5:00:02**
